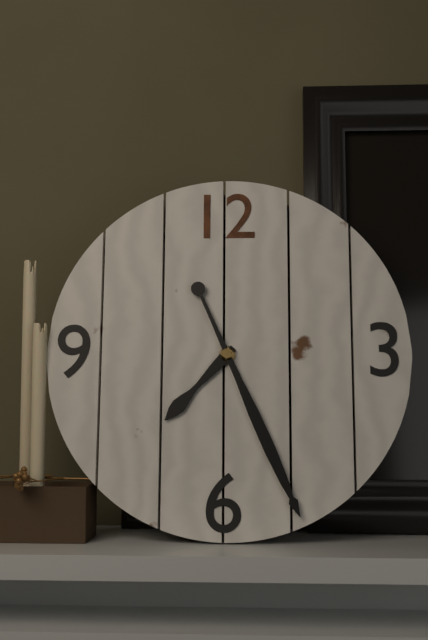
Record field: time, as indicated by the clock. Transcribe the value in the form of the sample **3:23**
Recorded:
**7:26**
